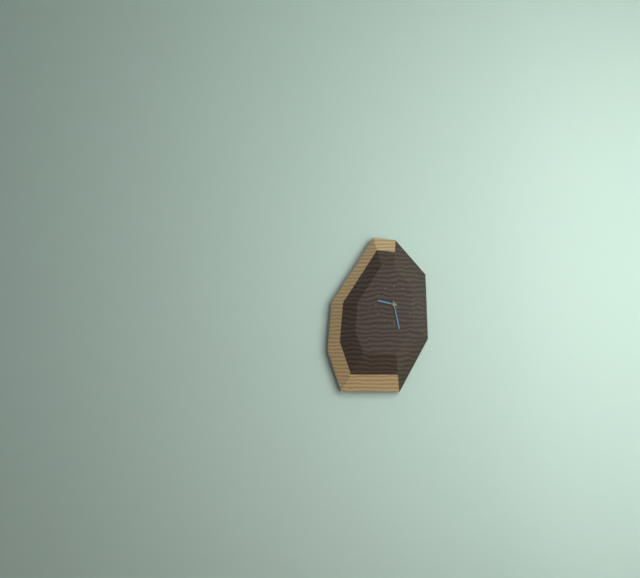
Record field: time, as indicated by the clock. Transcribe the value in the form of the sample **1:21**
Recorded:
**9:28**
